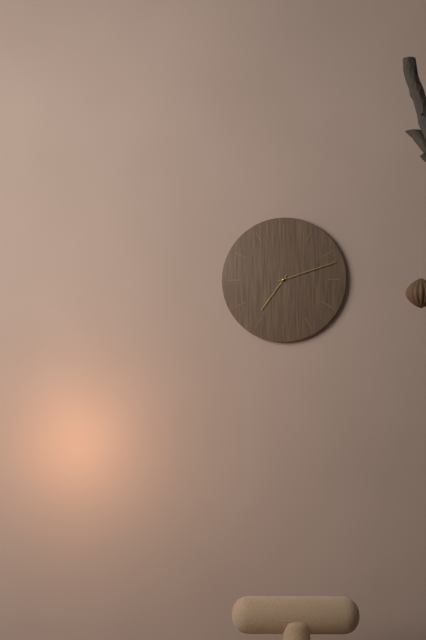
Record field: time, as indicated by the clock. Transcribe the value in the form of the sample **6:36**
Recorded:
**7:12**
